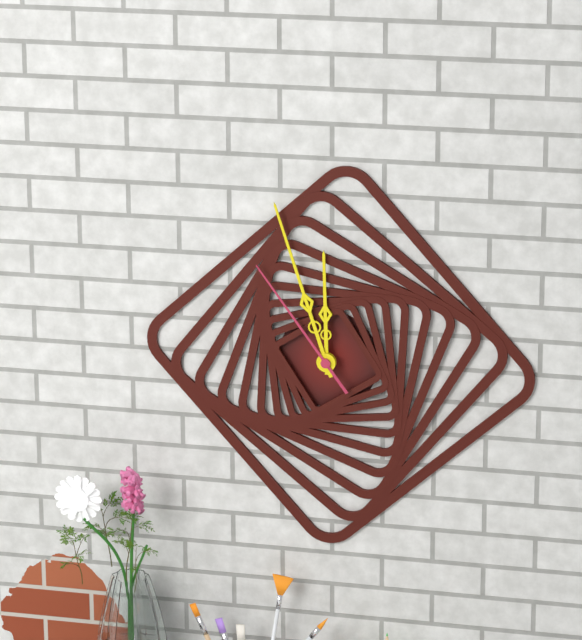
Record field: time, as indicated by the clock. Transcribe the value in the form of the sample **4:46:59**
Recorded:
**11:57:54**
